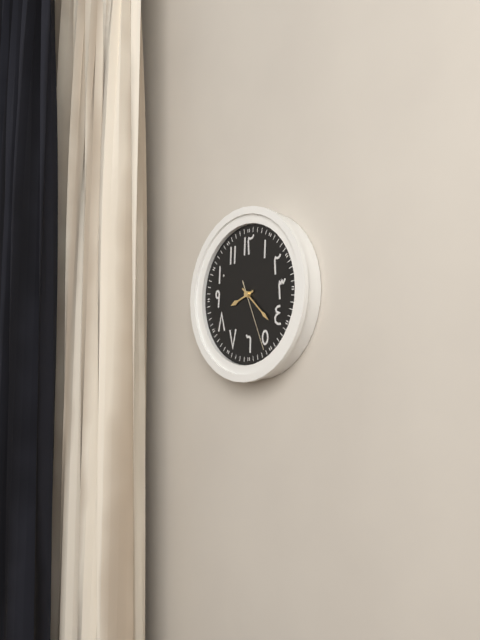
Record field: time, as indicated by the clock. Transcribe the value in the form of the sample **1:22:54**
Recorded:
**8:22:26**
